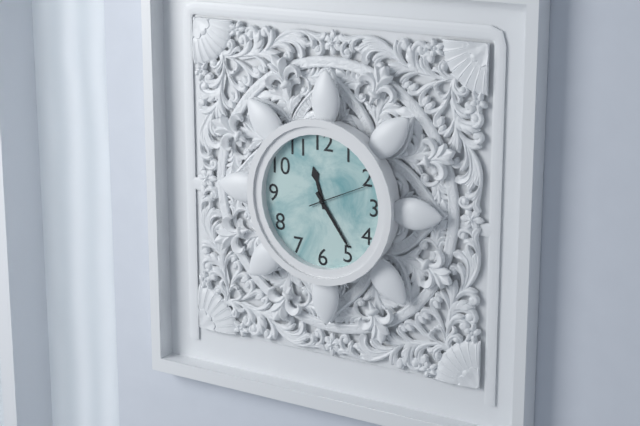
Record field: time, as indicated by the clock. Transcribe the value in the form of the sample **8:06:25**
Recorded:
**11:24:11**
